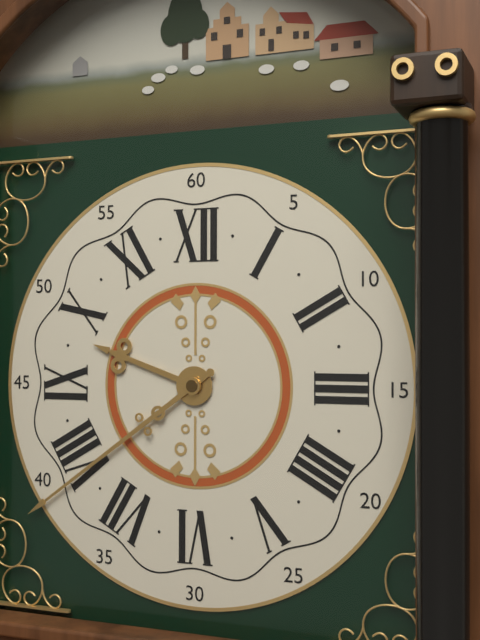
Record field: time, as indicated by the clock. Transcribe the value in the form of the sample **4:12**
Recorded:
**9:39**
